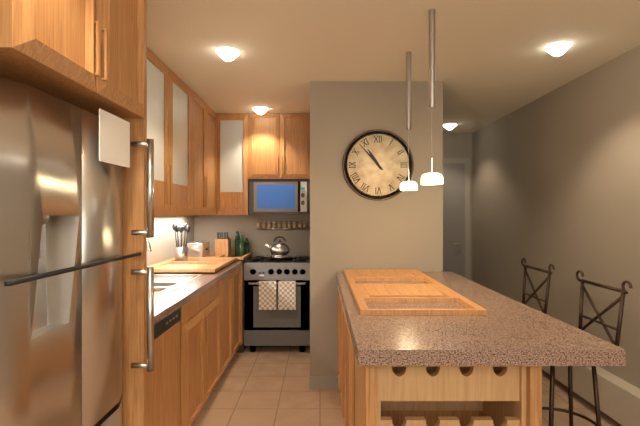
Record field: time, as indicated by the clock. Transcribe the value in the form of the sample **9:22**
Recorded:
**10:53**
